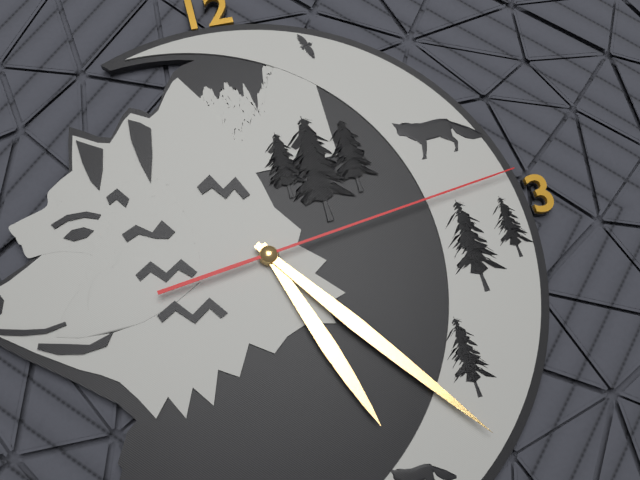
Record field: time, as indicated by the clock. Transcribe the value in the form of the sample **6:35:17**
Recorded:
**5:24:14**
